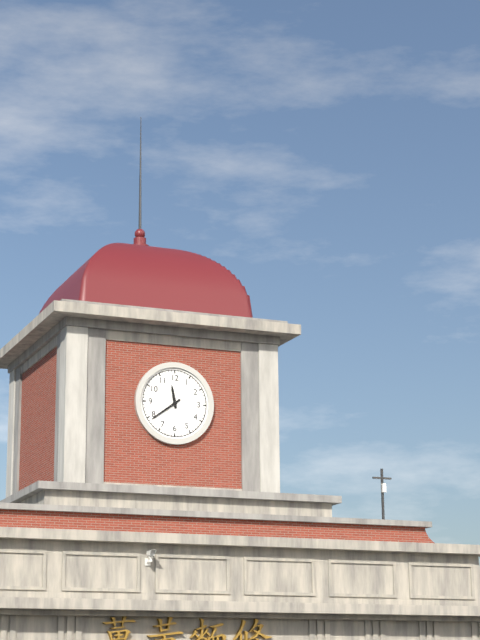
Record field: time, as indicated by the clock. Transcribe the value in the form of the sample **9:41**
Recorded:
**11:39**
